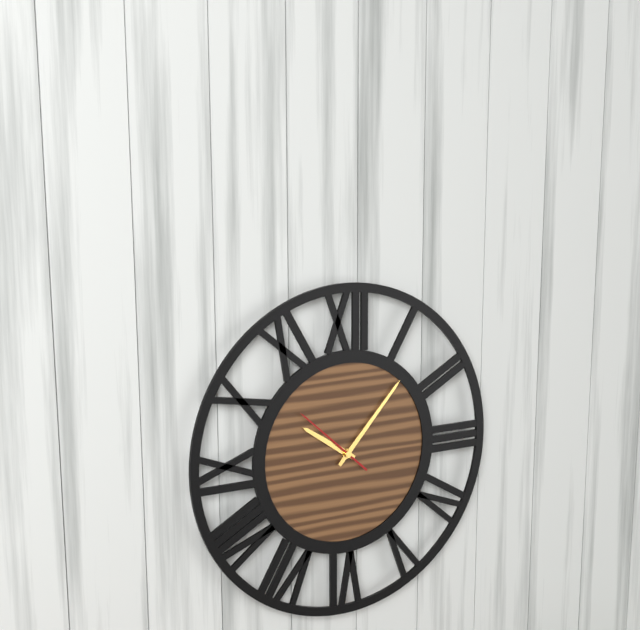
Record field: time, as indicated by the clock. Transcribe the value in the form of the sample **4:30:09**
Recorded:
**10:07:52**
